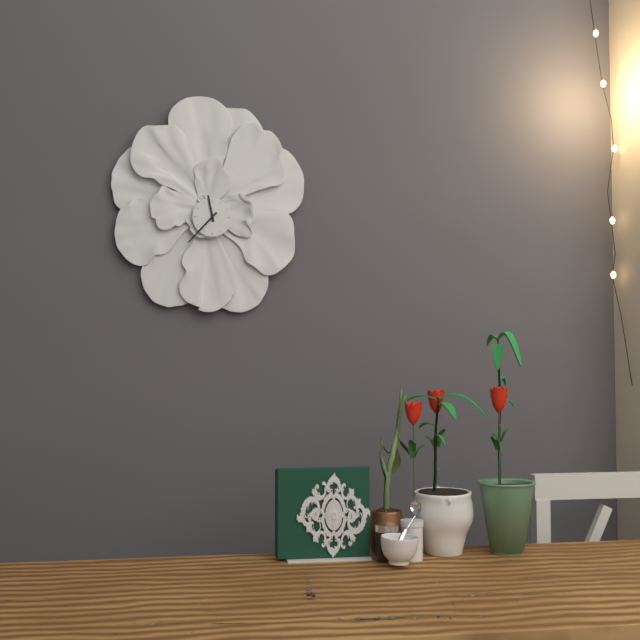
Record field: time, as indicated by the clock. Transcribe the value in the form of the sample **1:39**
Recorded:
**11:37**
